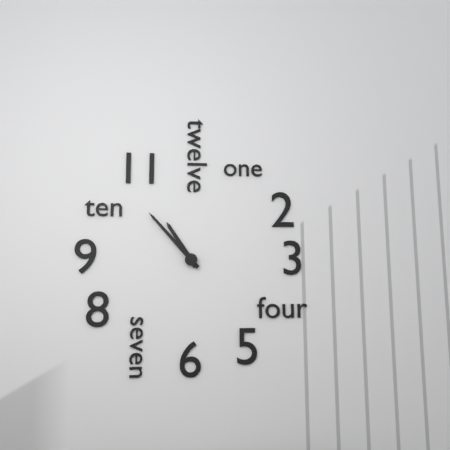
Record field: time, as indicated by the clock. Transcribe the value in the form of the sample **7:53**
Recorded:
**10:53**
